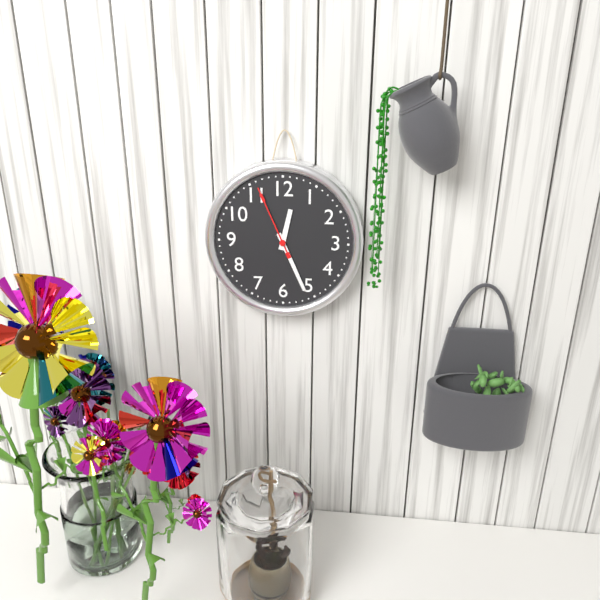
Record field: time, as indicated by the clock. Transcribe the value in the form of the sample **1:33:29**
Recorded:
**12:26:56**
